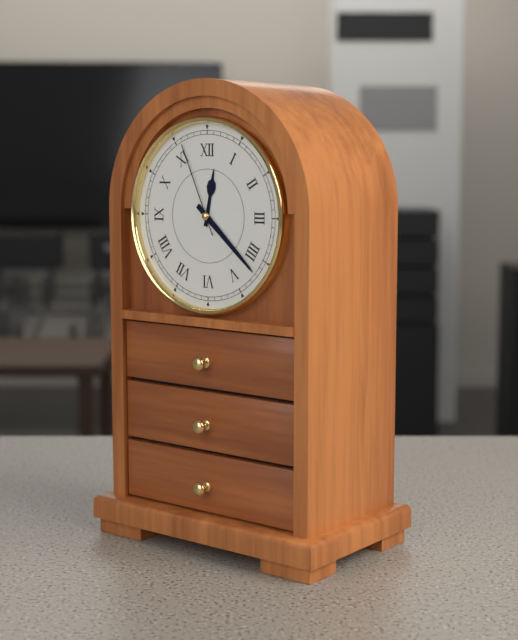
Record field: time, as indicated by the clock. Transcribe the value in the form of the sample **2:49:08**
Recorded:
**12:22:56**
